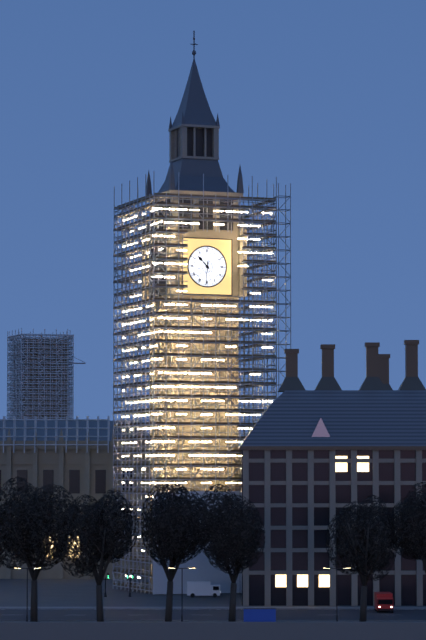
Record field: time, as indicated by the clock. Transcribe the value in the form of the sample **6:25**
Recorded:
**10:31**
